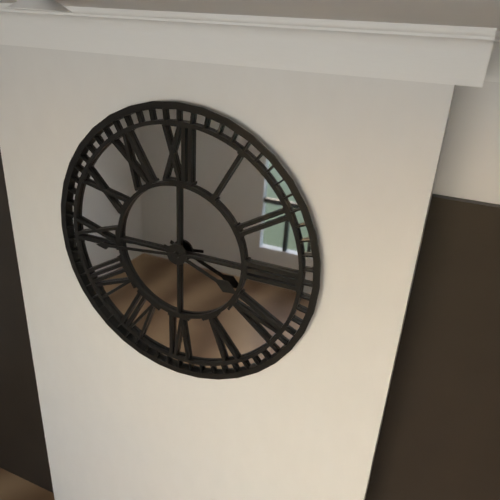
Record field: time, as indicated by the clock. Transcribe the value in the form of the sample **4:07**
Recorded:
**3:44**
